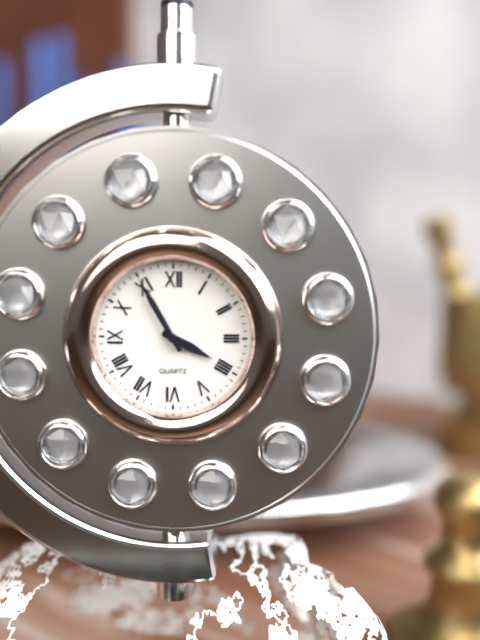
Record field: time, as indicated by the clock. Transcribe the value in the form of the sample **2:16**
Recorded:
**3:55**
